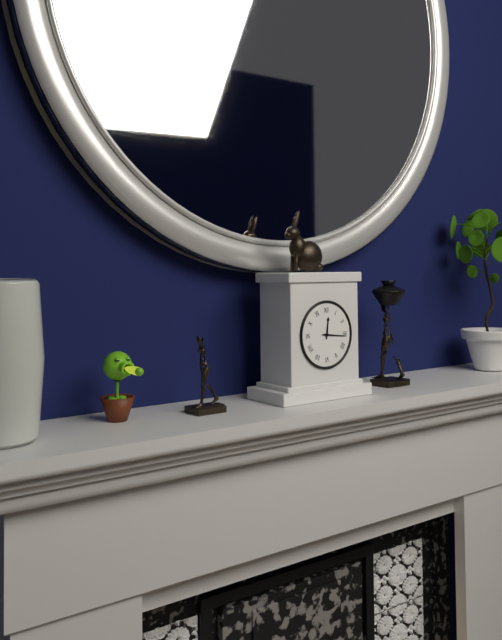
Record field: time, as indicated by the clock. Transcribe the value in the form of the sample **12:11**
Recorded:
**12:16**
